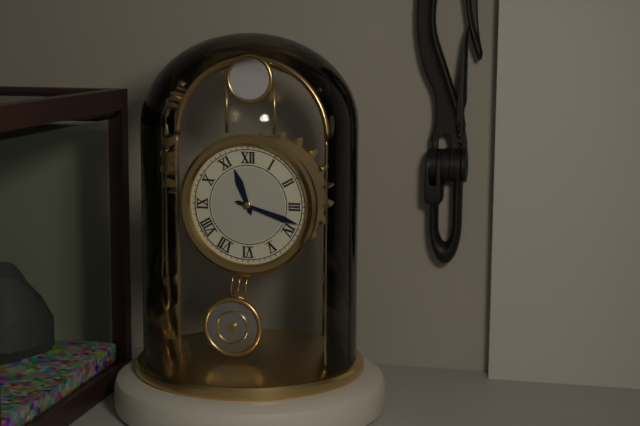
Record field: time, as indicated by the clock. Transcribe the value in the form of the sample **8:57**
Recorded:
**11:18**
